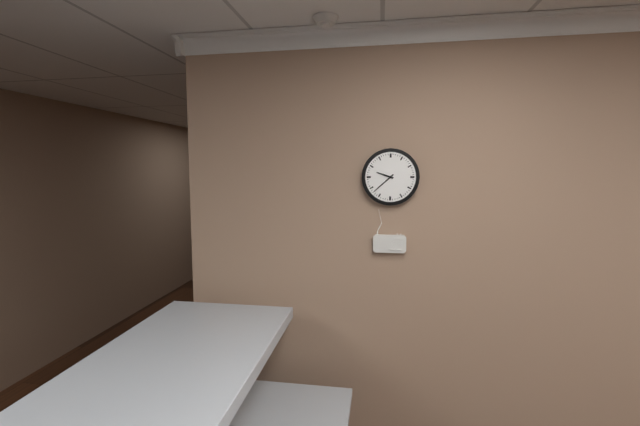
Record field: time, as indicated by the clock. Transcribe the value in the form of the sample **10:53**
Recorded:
**9:38**
